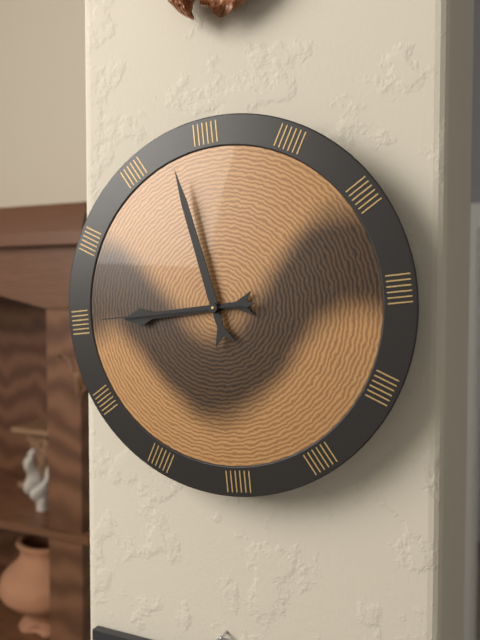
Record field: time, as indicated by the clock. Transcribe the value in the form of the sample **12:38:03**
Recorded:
**8:58:45**
